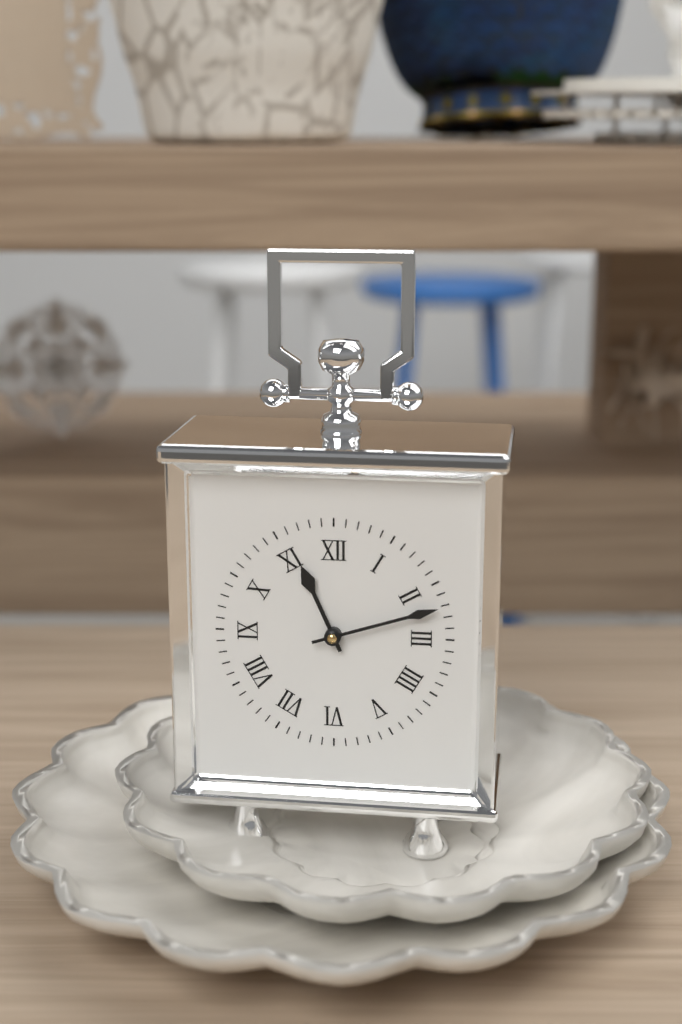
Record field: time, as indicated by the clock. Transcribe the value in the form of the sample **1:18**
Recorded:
**11:12**
